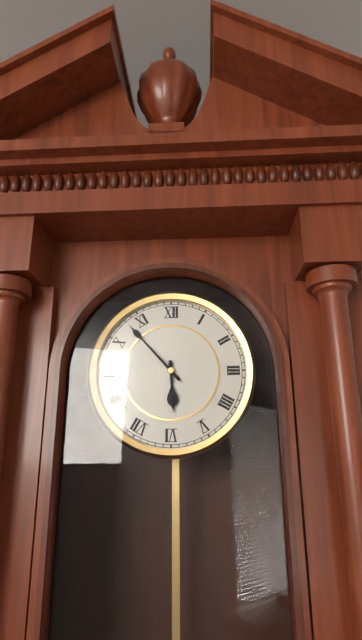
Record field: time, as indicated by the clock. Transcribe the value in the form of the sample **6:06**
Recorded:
**5:53**
